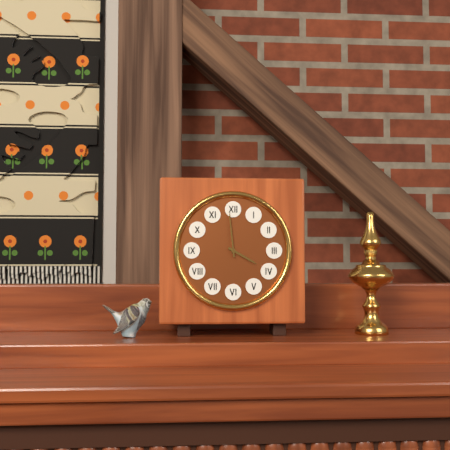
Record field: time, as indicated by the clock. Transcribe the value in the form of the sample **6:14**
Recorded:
**3:59**
